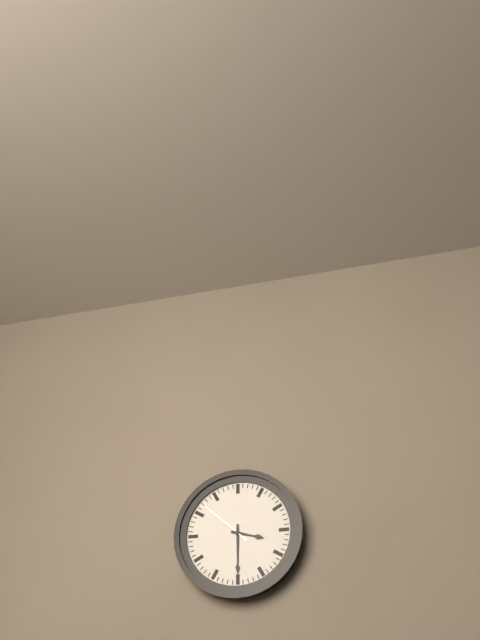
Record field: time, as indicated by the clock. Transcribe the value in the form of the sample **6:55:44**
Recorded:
**3:30:52**
